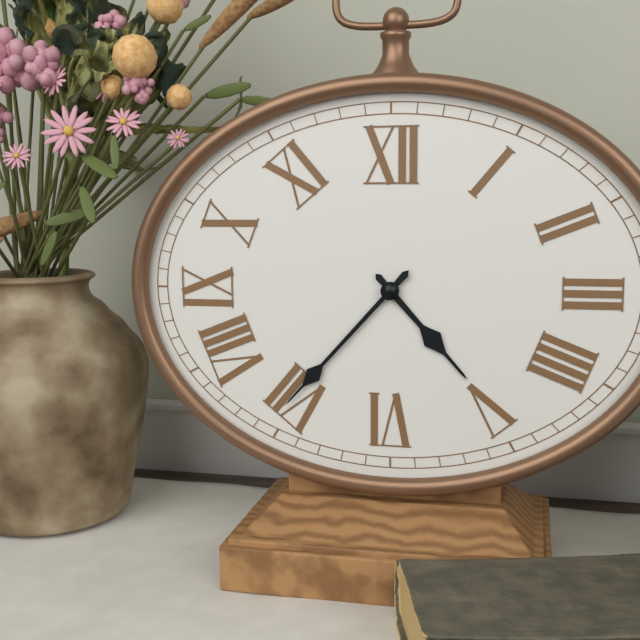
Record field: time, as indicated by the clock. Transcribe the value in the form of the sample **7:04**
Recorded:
**4:37**
